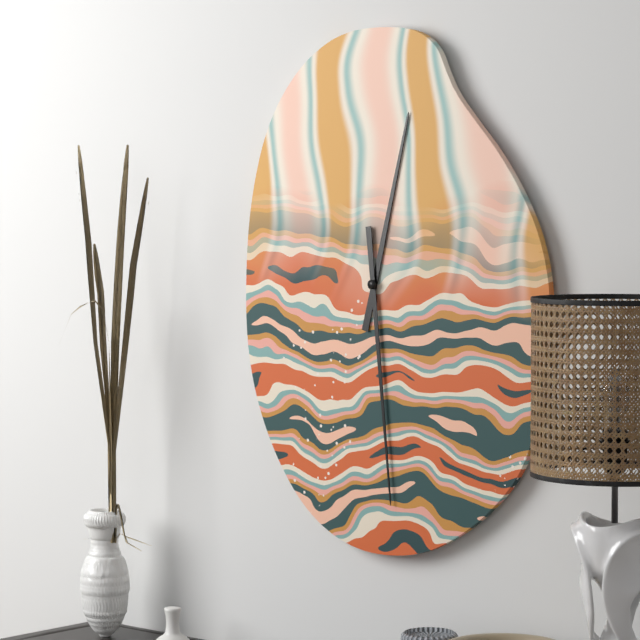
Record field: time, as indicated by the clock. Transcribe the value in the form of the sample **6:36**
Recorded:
**12:29**
